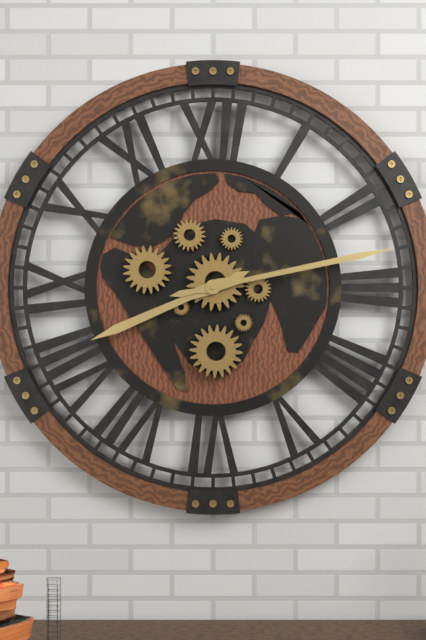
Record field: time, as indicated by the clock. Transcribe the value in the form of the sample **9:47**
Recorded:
**8:13**
